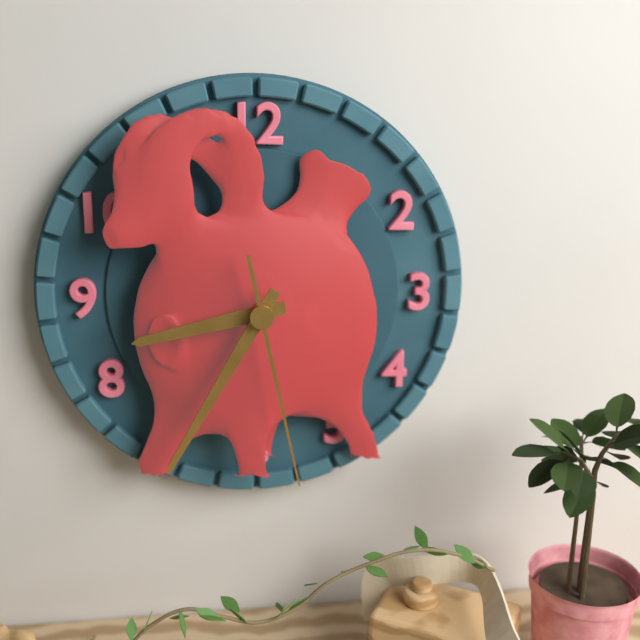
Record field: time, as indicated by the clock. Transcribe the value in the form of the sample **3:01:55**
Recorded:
**8:35:28**
